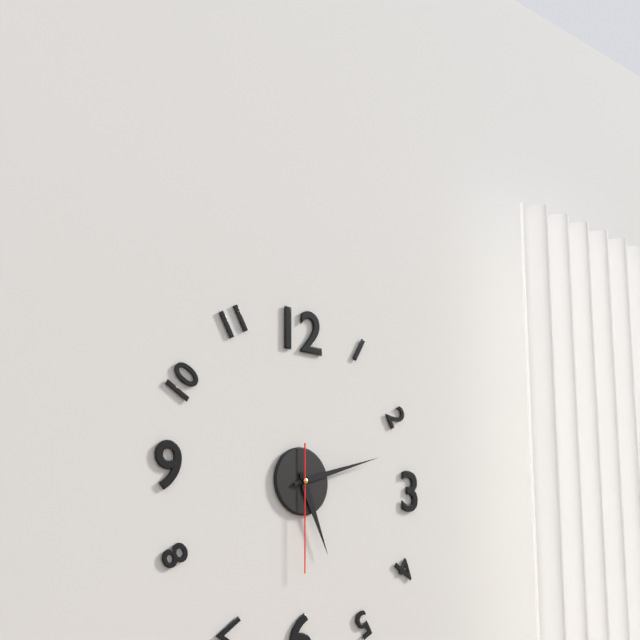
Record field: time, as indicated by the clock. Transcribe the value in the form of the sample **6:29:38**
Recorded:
**5:12:30**
